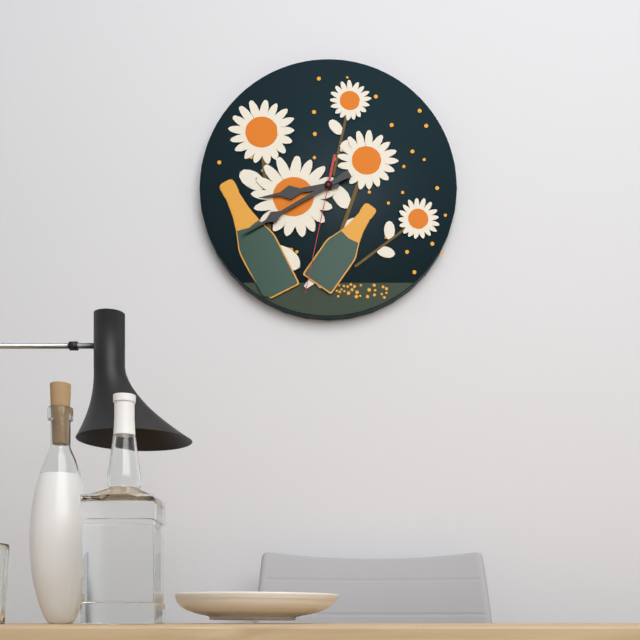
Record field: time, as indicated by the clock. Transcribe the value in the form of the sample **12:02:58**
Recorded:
**8:40:32**
